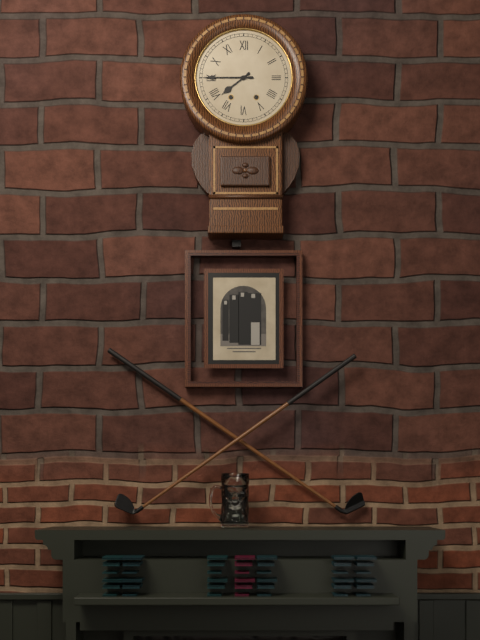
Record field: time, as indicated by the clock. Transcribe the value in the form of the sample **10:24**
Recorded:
**7:45**
